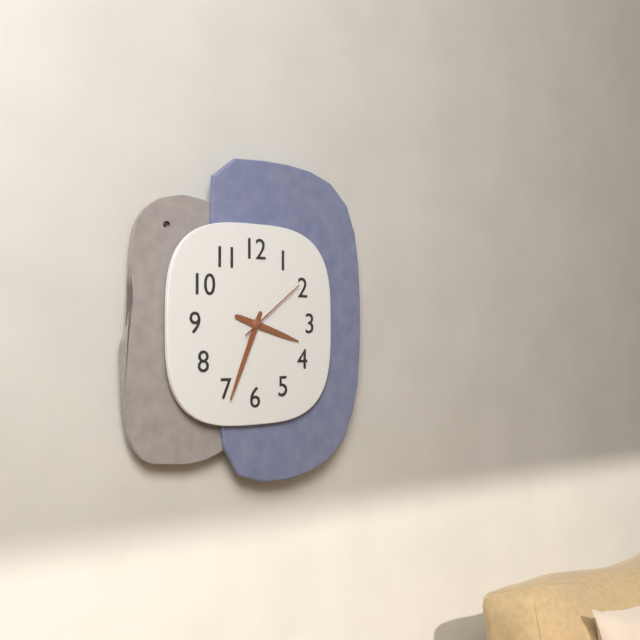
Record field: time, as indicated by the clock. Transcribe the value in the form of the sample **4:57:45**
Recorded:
**3:34:09**
